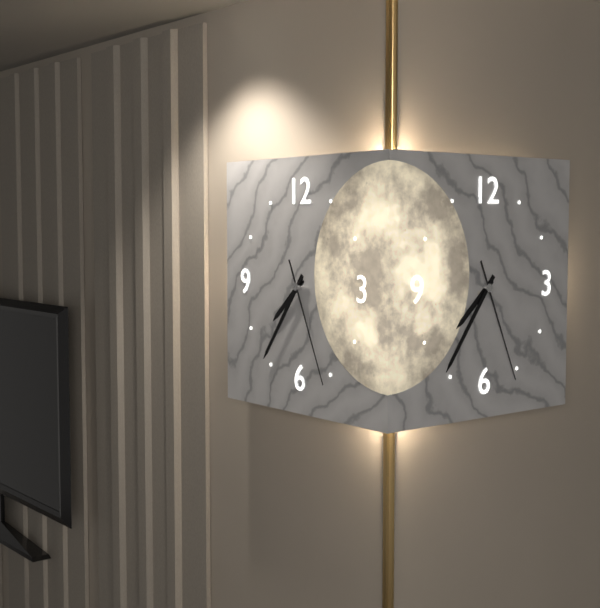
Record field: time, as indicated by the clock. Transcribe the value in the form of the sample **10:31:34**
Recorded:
**7:36:26**
